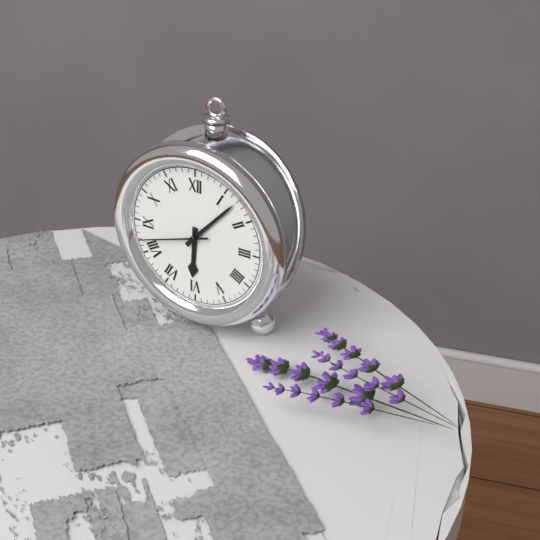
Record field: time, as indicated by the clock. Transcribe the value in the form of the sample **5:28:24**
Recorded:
**6:07:42**
